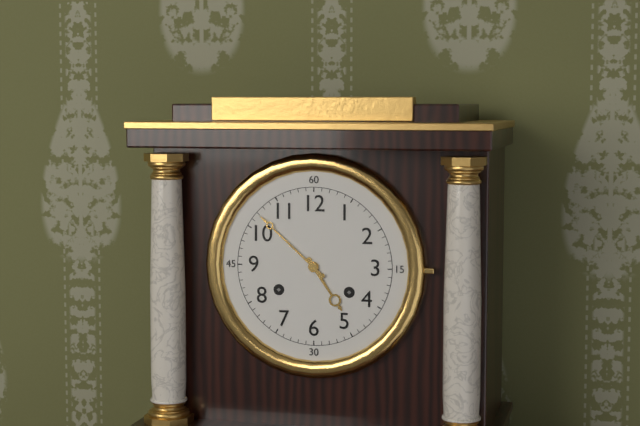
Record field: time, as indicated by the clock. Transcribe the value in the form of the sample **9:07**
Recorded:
**4:52**
